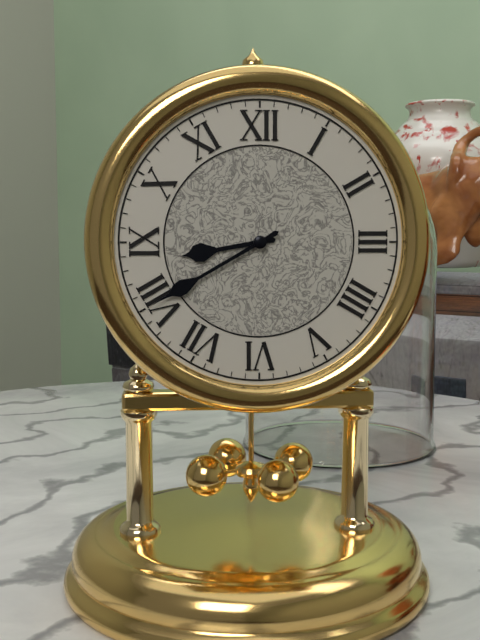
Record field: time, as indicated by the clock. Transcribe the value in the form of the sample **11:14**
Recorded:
**8:40**
